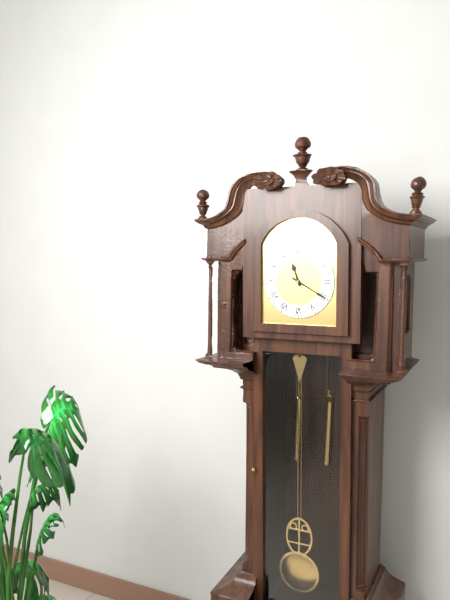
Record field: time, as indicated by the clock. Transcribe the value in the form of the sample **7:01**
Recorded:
**11:20**
